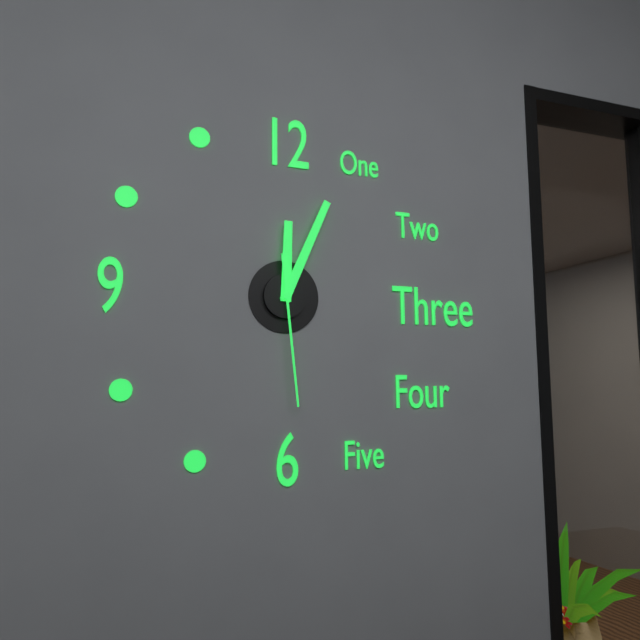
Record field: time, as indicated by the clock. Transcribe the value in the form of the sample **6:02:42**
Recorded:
**12:04:29**
